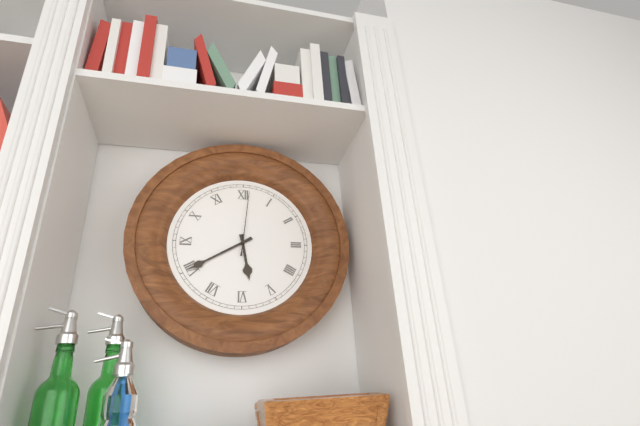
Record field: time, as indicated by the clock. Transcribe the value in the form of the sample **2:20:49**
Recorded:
**5:40:01**
